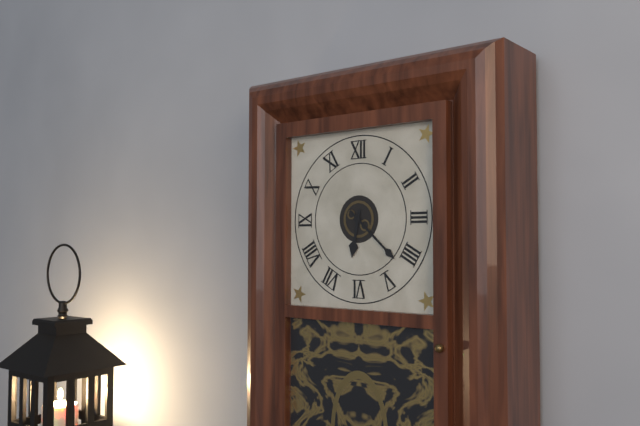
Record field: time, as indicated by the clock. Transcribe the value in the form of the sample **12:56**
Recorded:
**6:22**
